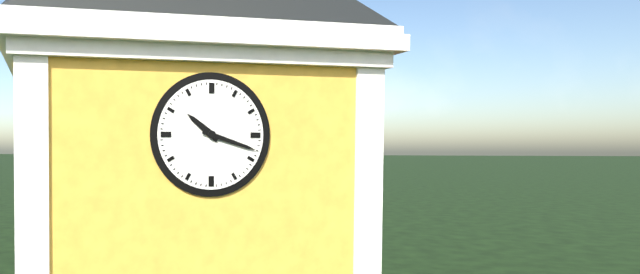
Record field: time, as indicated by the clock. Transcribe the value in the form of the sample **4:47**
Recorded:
**10:18**
